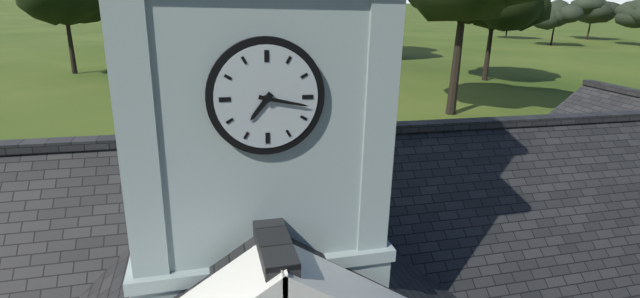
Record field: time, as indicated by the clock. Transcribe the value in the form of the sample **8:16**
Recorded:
**7:17**
